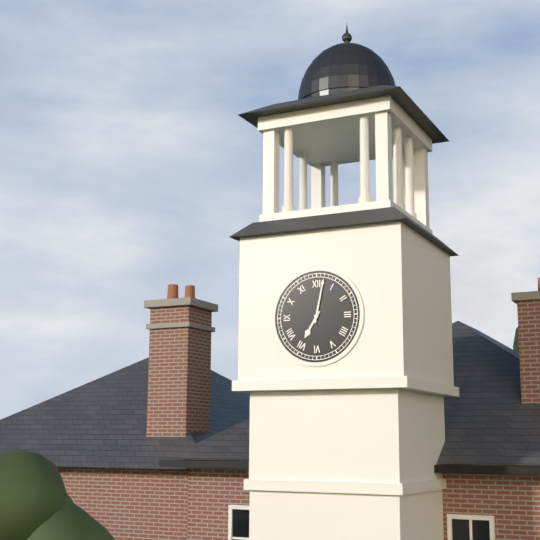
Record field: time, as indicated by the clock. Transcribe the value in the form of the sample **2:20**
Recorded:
**7:02**
